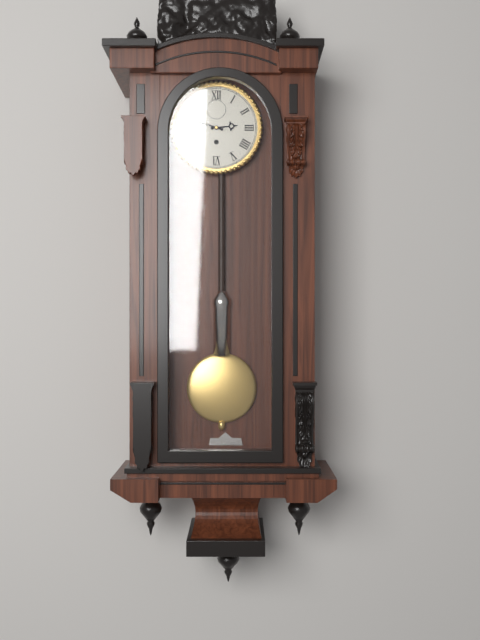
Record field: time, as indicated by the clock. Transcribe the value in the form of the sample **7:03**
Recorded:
**2:48**
